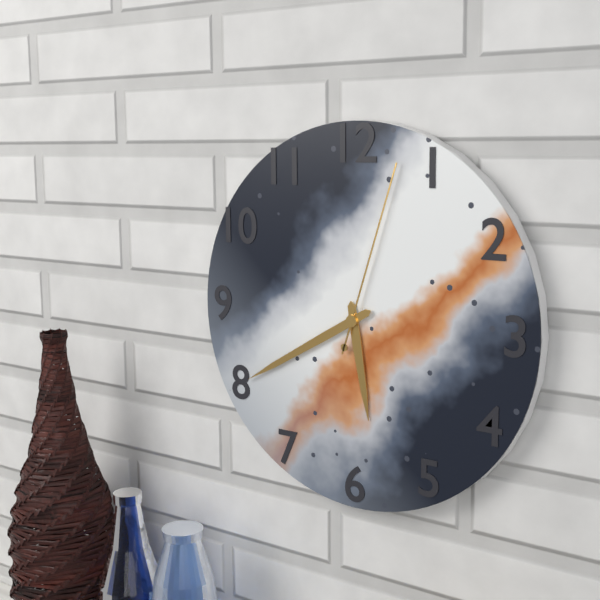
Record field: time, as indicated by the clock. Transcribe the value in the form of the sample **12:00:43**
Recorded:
**5:40:03**
